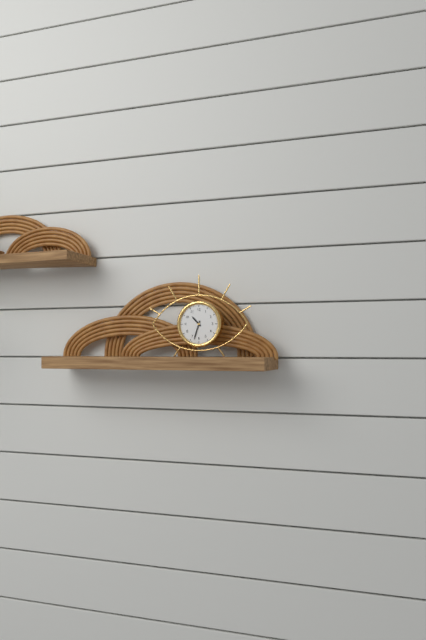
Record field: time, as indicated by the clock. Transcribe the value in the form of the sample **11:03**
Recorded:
**10:33**
